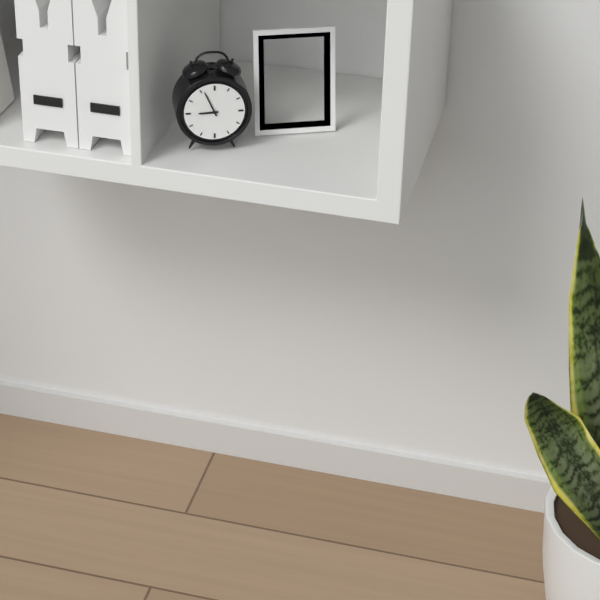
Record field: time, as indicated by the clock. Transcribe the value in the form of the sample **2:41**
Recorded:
**8:56**
